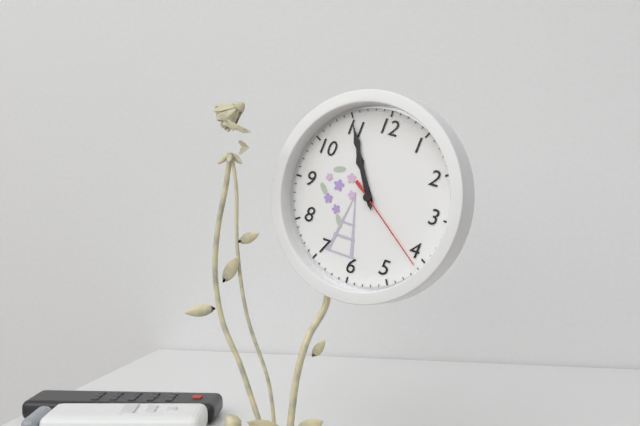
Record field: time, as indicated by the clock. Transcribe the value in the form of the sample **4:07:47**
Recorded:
**10:55:21**
